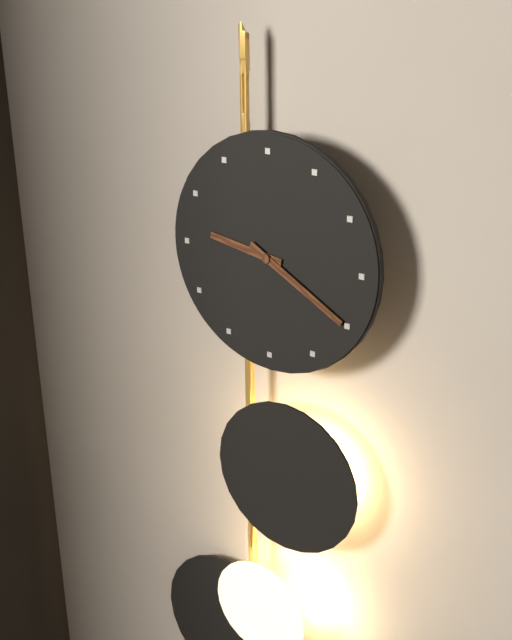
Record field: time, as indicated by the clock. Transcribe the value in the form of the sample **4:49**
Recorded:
**9:20**
